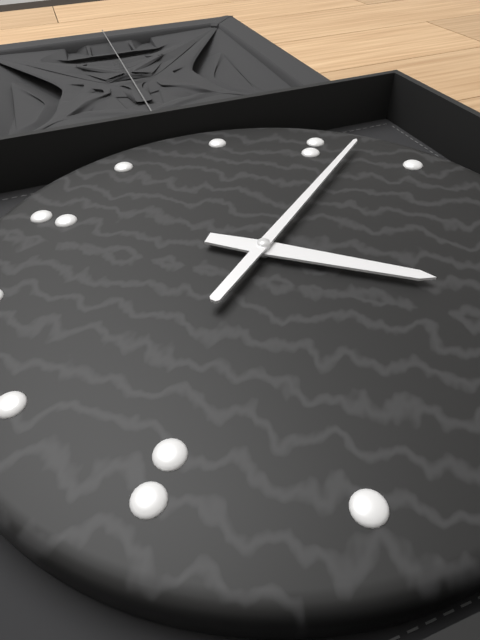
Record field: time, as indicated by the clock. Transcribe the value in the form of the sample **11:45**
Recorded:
**3:02**
